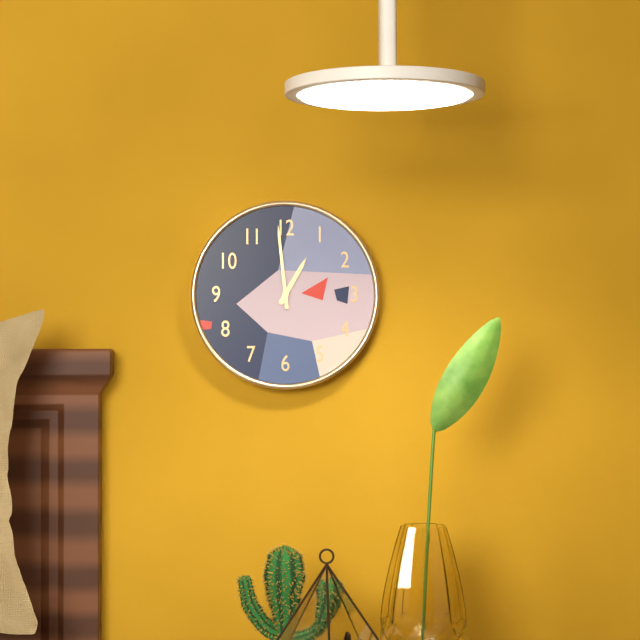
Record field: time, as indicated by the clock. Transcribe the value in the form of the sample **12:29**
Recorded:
**12:59**
